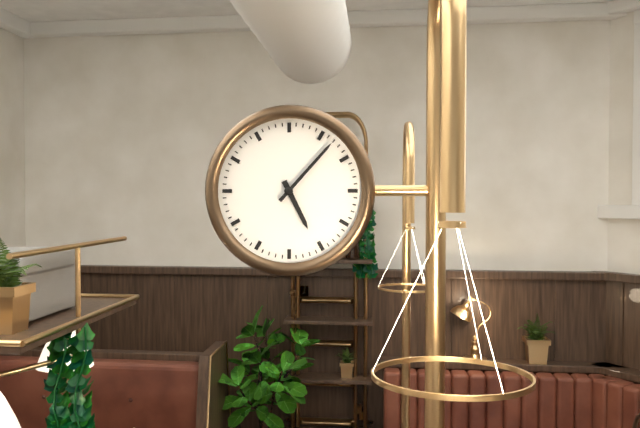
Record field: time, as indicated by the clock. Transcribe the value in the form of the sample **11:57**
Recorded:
**5:07**
